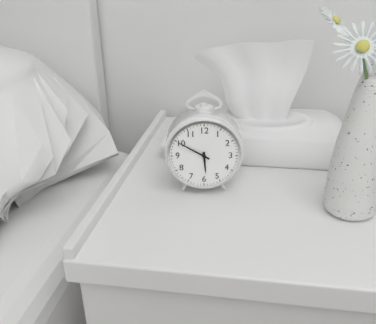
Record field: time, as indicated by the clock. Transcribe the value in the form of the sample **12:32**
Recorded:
**5:50**
